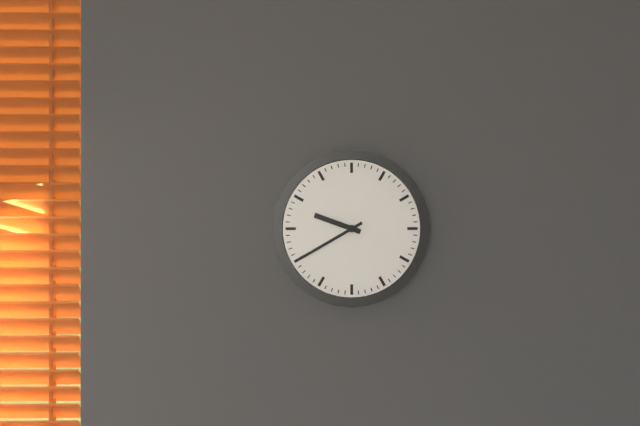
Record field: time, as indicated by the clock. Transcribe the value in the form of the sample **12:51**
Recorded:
**9:40**
